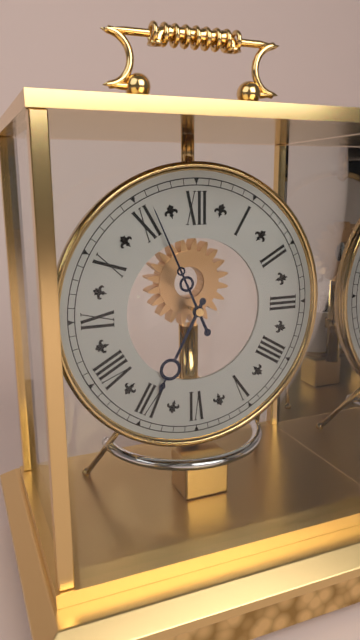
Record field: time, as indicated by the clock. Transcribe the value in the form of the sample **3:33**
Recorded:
**6:56**
